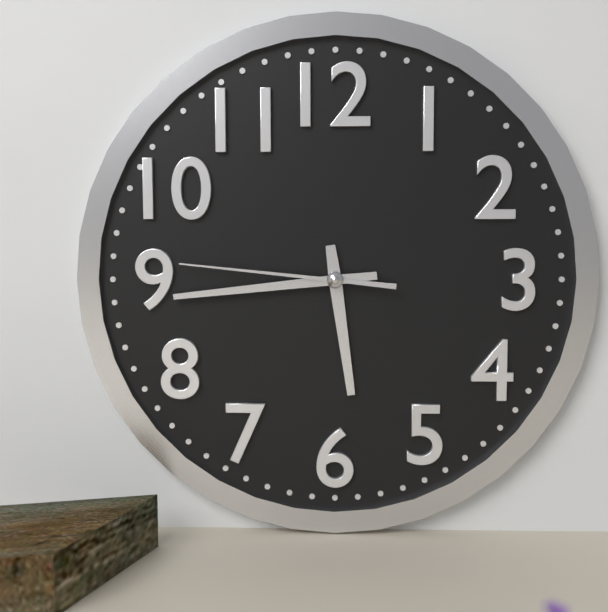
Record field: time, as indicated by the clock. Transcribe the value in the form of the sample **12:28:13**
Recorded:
**5:44:46**
